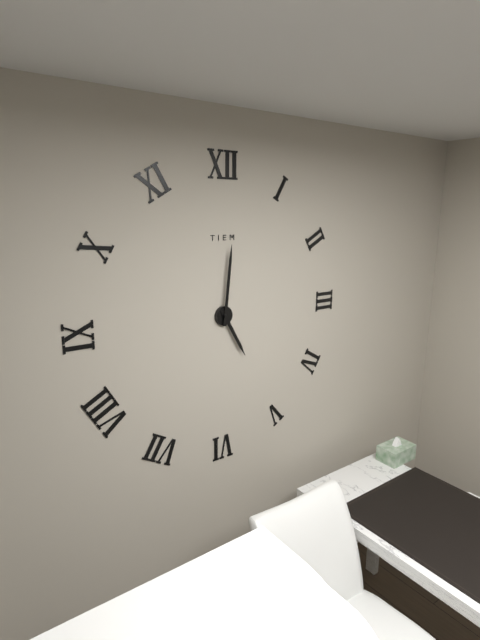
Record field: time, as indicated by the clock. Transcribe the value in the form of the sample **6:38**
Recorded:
**5:01**
